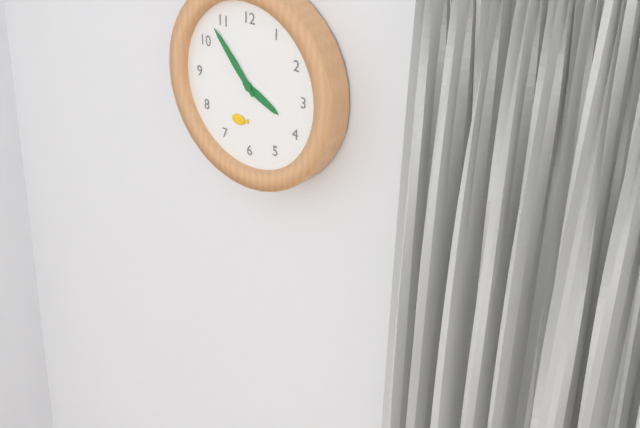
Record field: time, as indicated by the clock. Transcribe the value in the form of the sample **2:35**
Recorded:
**3:53**
